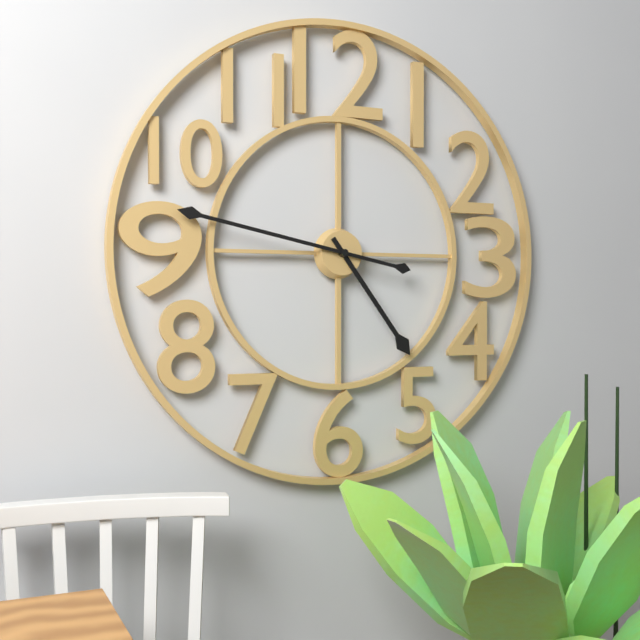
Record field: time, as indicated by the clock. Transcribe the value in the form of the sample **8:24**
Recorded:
**4:47**
